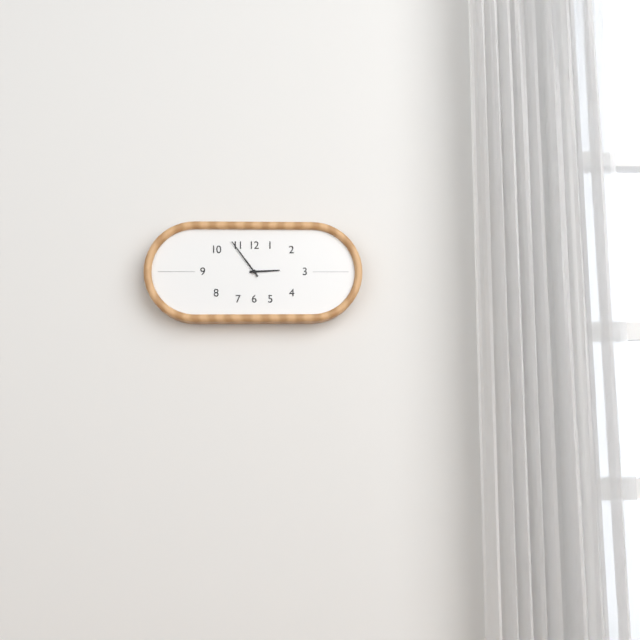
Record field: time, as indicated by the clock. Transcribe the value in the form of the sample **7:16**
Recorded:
**2:54**
